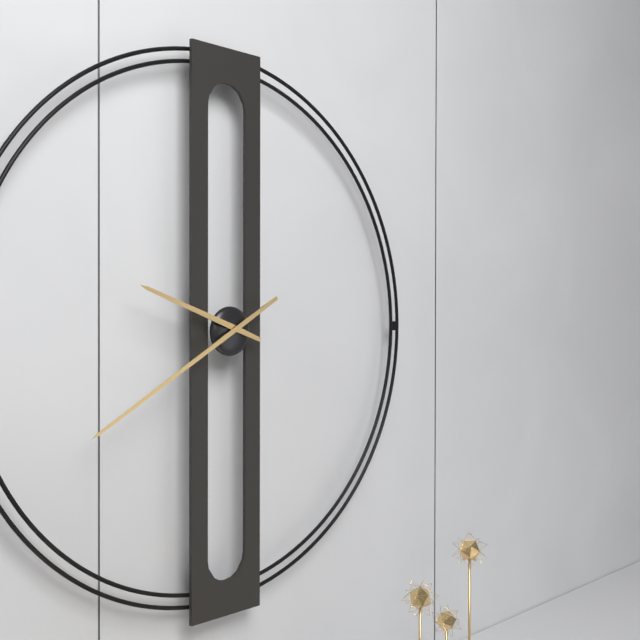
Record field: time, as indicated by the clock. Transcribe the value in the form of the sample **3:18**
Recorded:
**9:40**
